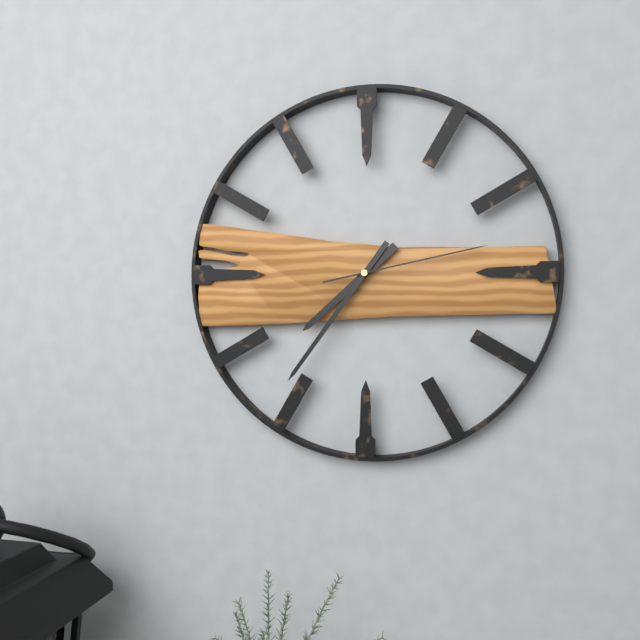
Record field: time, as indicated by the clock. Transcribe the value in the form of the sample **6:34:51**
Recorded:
**7:36:13**
